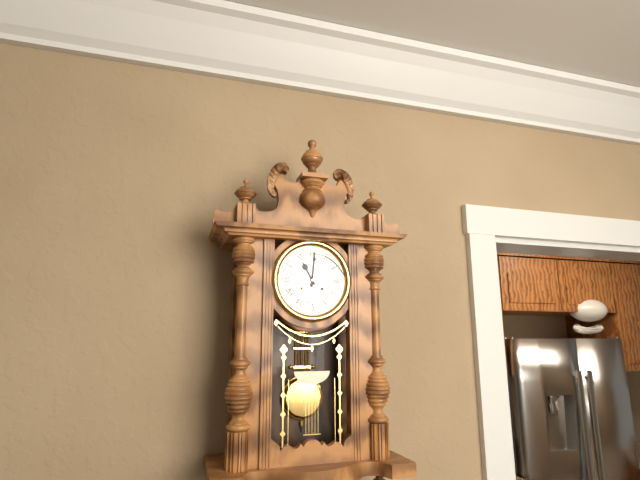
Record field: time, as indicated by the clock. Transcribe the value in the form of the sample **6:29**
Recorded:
**11:01**
